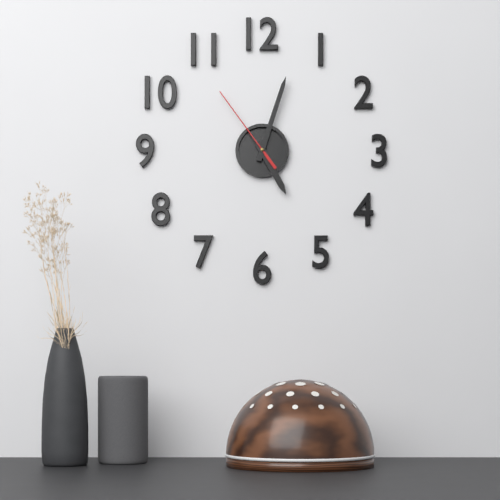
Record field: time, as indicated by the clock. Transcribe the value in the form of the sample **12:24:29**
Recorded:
**5:03:54**
